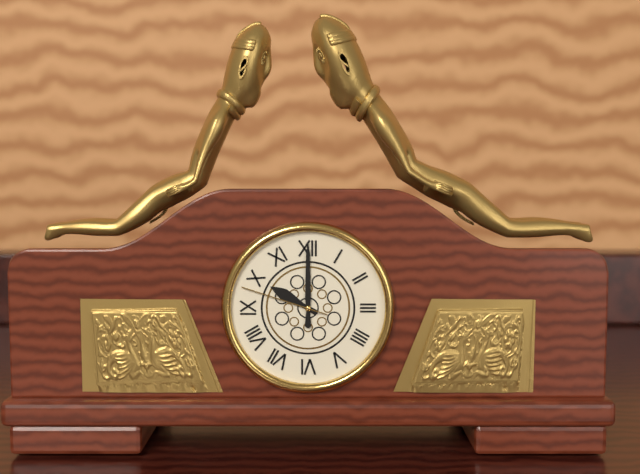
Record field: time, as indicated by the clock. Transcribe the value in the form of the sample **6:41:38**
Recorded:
**10:00:48**
